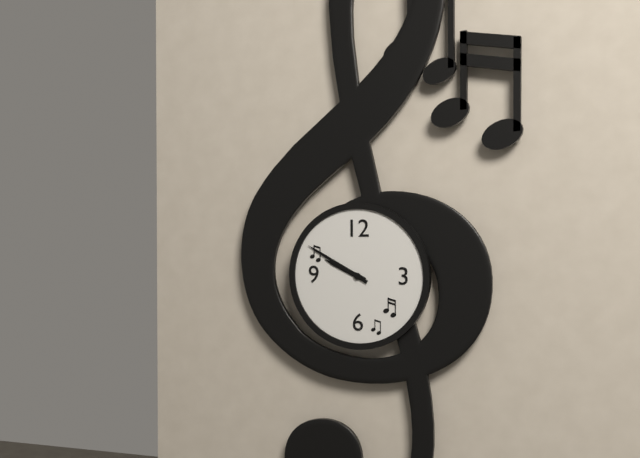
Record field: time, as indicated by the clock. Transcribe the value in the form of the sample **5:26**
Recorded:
**9:50**
